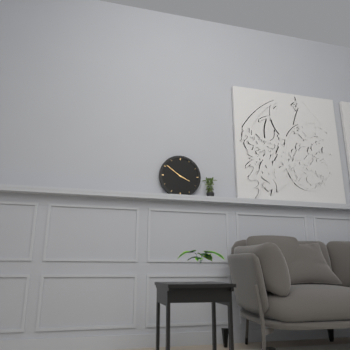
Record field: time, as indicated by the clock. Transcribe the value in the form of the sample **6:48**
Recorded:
**3:51**
